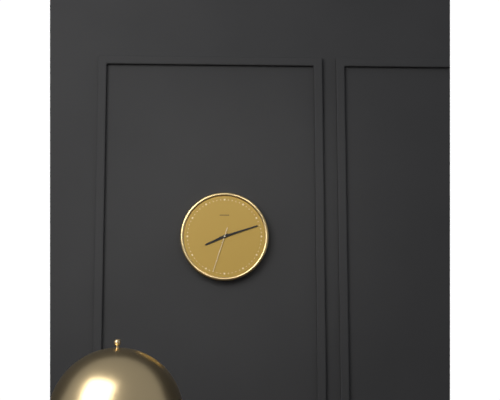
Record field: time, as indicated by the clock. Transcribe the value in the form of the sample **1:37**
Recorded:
**8:12**
